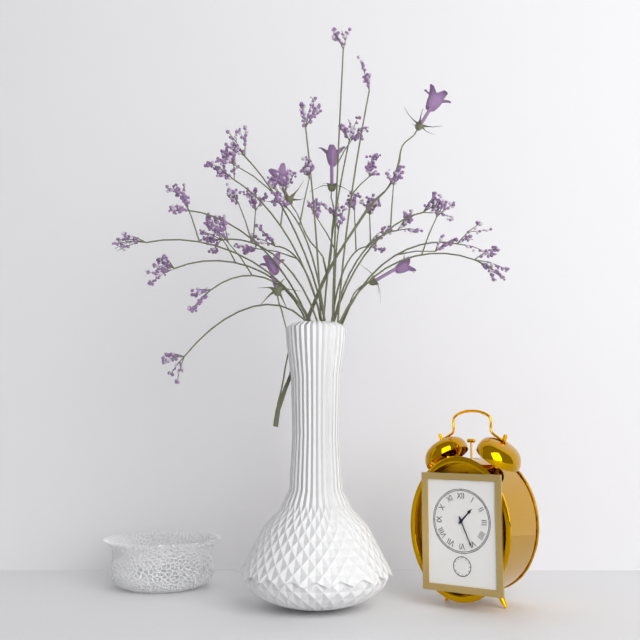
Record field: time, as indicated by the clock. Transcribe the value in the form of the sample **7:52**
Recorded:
**1:26**
